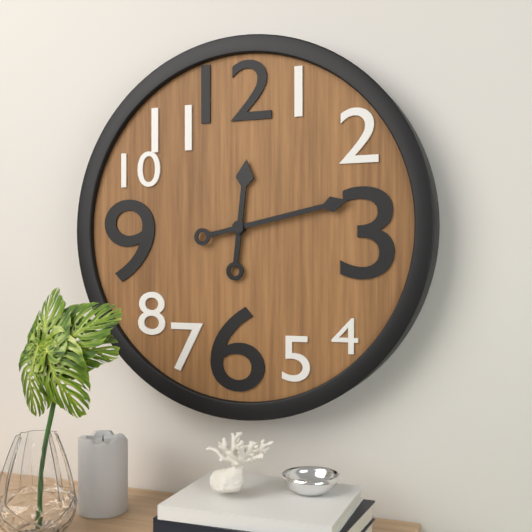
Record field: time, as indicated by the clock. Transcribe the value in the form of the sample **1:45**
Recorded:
**12:13**
